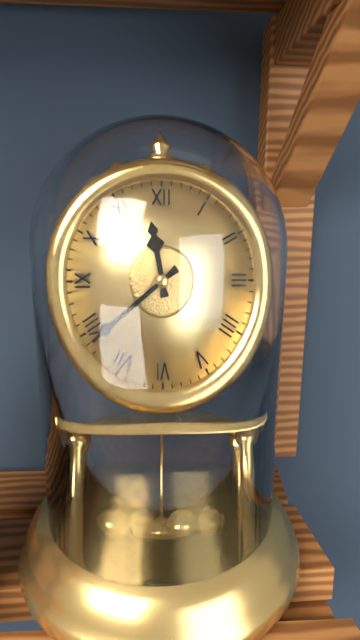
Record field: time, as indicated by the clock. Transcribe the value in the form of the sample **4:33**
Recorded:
**11:39**
